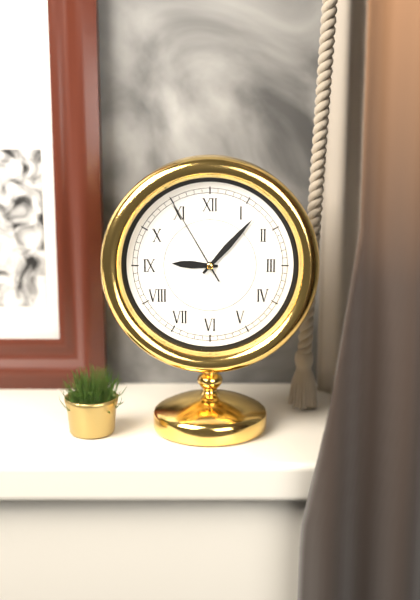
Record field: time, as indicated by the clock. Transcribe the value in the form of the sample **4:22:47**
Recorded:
**9:07:55**
